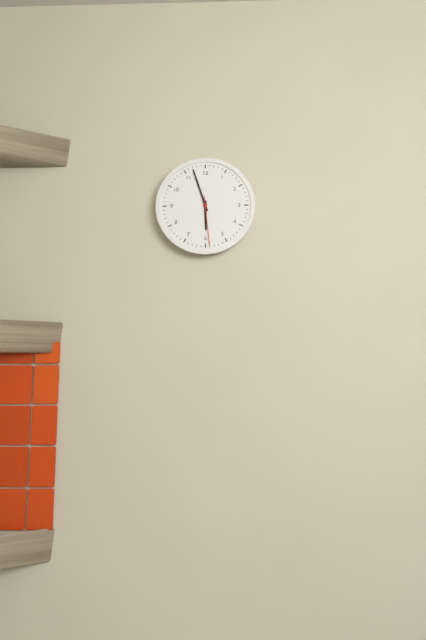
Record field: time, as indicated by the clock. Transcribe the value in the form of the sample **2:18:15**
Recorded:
**5:57:29**
